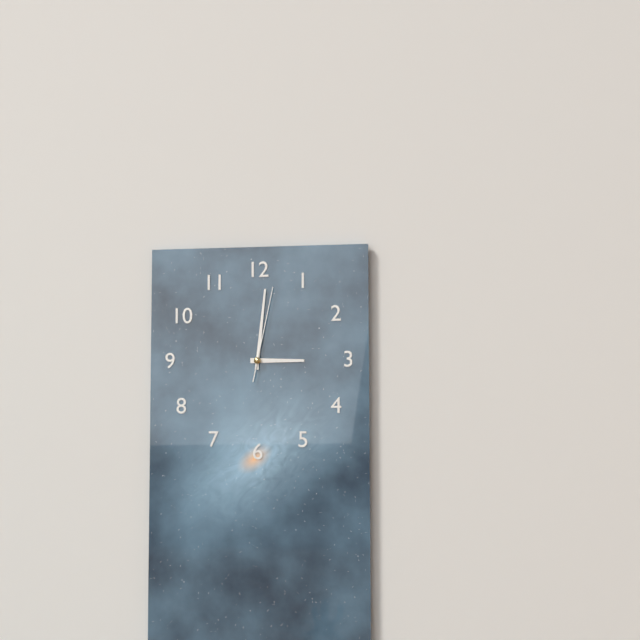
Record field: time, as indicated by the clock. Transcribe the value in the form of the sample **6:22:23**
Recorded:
**3:01:02**
